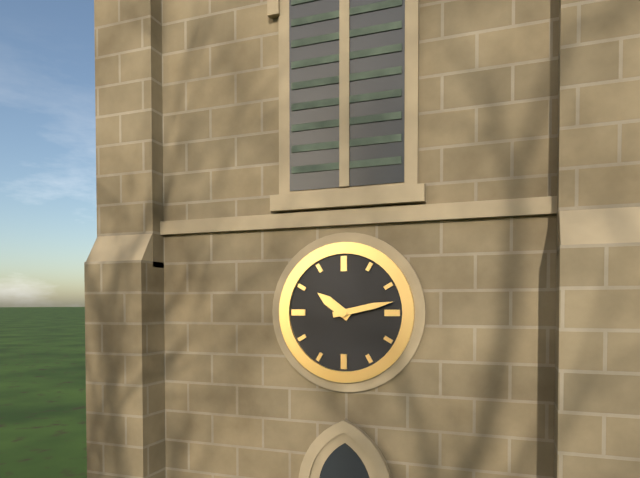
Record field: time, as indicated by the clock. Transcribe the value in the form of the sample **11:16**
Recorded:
**10:13**
